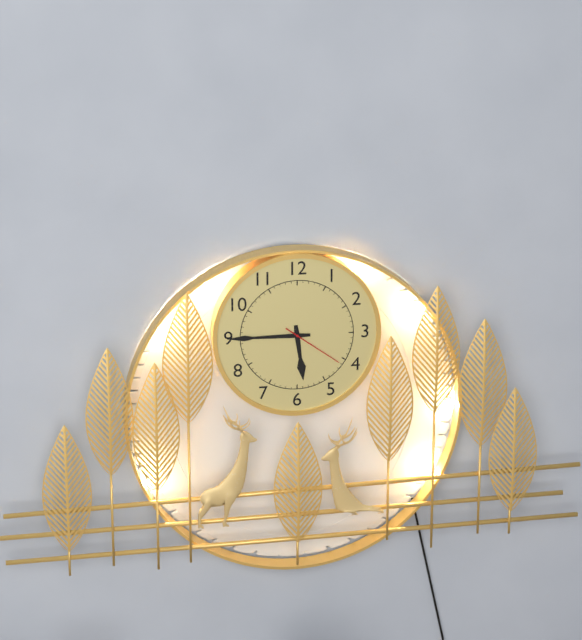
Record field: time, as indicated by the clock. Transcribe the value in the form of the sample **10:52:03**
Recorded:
**5:45:21**
